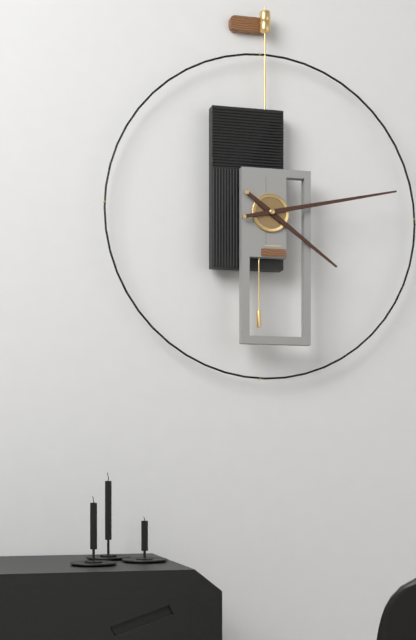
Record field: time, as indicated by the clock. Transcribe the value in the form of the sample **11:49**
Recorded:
**4:13**
